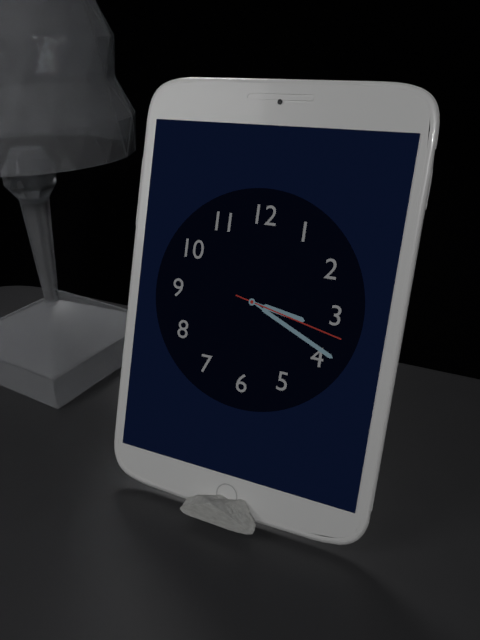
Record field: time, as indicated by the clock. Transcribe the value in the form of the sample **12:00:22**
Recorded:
**3:19:17**
